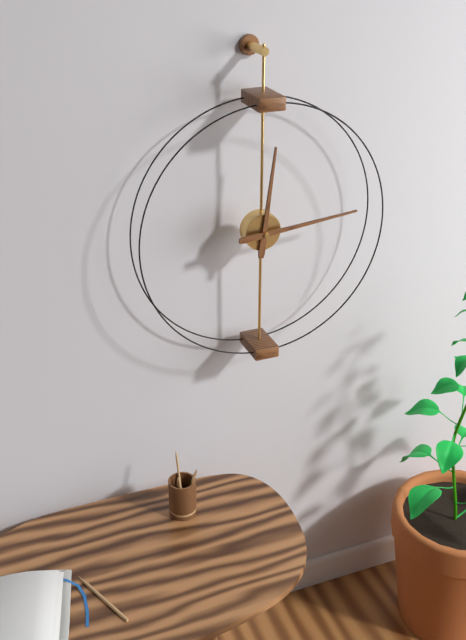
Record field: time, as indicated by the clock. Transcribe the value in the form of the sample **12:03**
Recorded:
**12:14**
